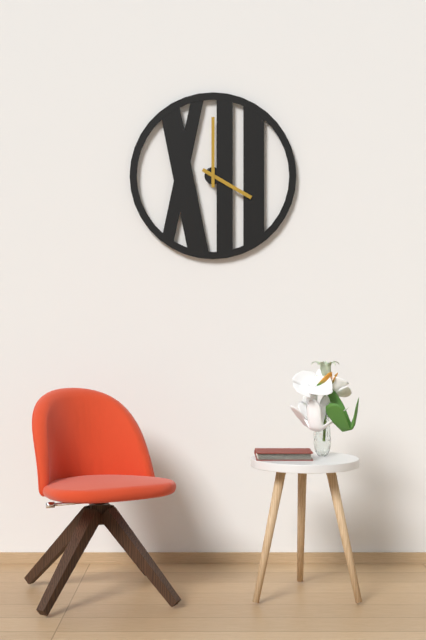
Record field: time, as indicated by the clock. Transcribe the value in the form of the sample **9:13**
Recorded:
**4:00**
